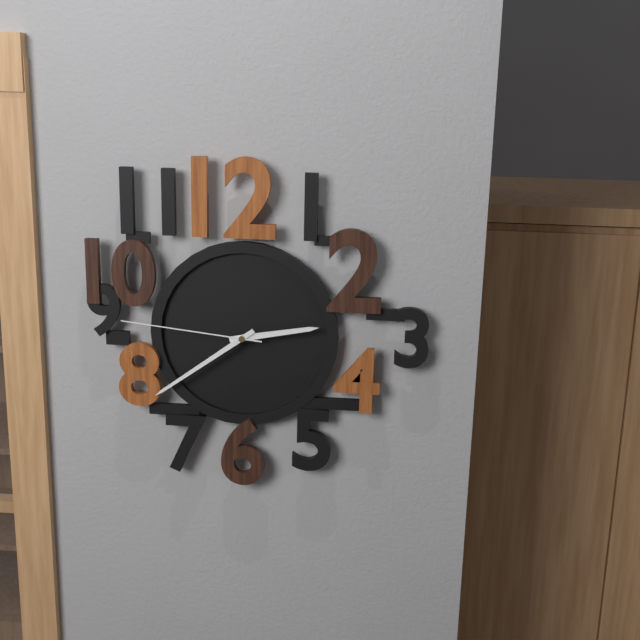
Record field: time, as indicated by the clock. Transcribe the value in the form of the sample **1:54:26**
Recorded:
**2:39:46**
